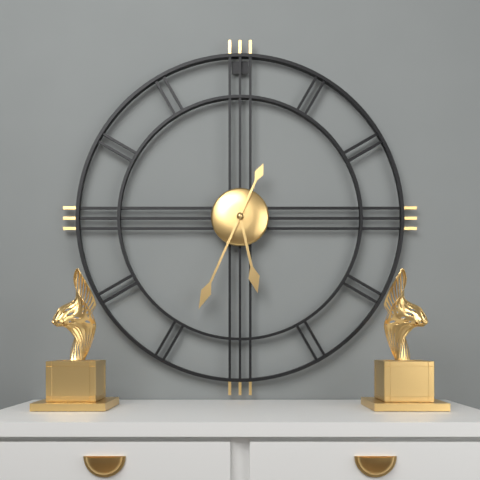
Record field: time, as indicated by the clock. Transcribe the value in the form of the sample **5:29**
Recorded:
**5:34**
